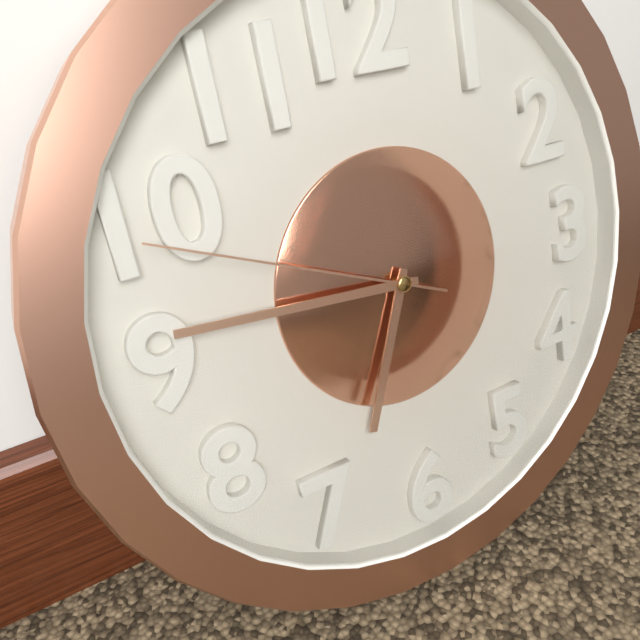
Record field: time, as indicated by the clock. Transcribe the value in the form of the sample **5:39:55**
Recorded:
**6:46:49**
